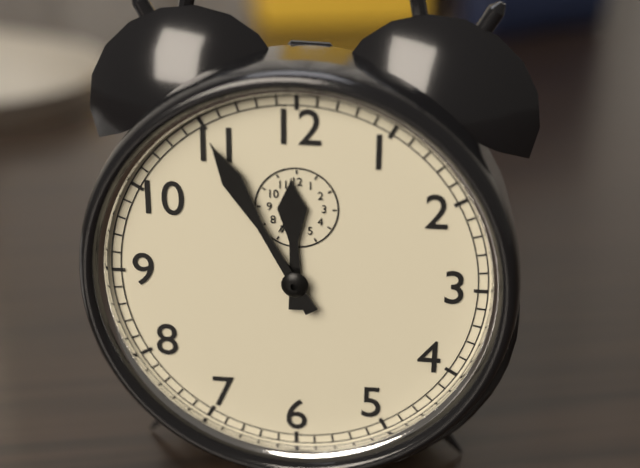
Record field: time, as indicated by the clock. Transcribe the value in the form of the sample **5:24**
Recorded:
**11:55**
